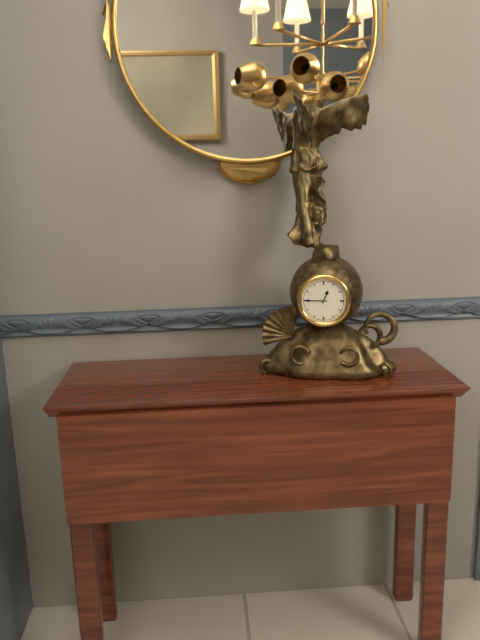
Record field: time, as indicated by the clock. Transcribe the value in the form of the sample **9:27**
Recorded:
**12:45**
